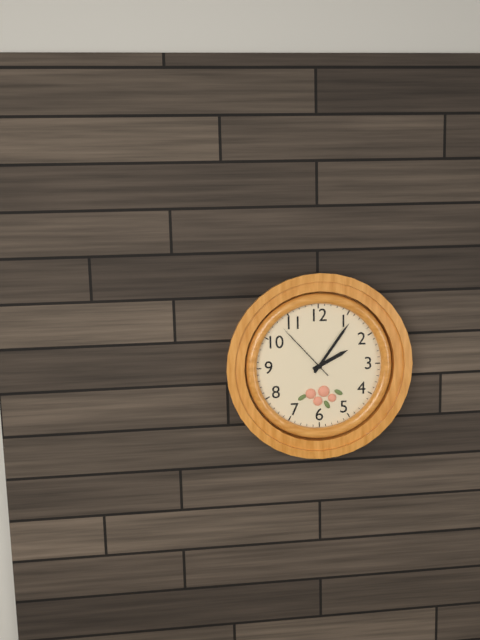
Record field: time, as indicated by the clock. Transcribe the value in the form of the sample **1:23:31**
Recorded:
**2:06:53**
